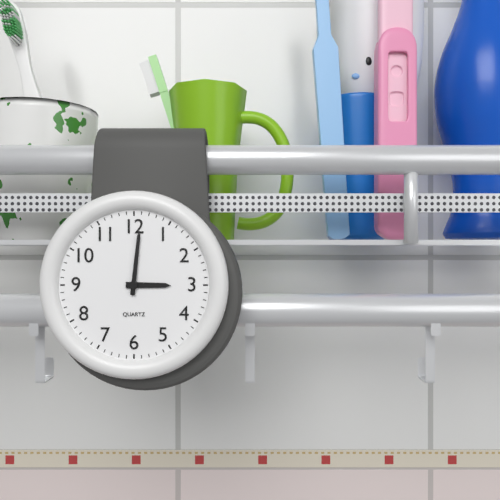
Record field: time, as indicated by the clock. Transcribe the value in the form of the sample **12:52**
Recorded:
**3:01**
